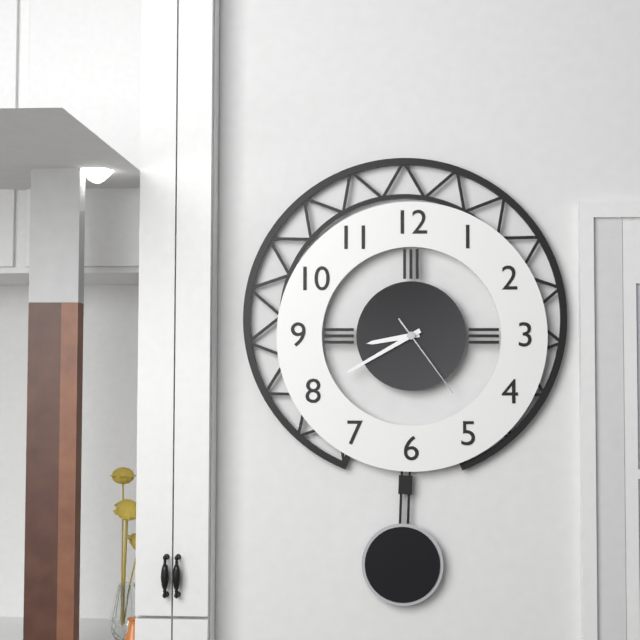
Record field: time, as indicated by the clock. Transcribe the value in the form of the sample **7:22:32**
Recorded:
**8:40:24**
